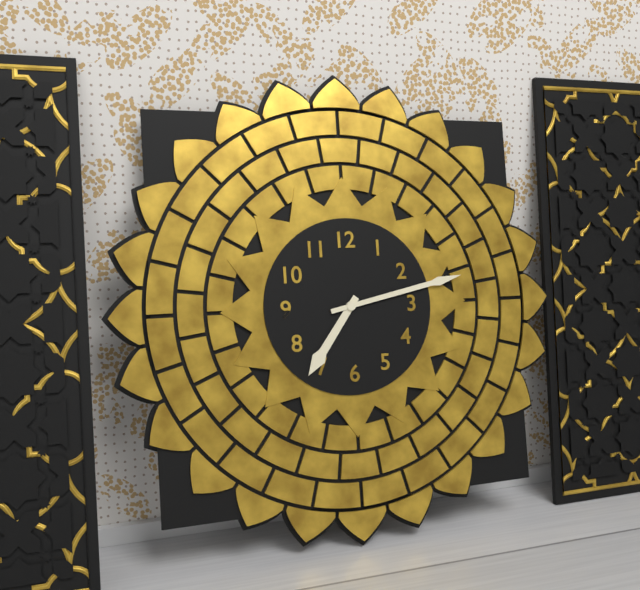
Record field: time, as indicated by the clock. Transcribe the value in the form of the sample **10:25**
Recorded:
**7:13**
